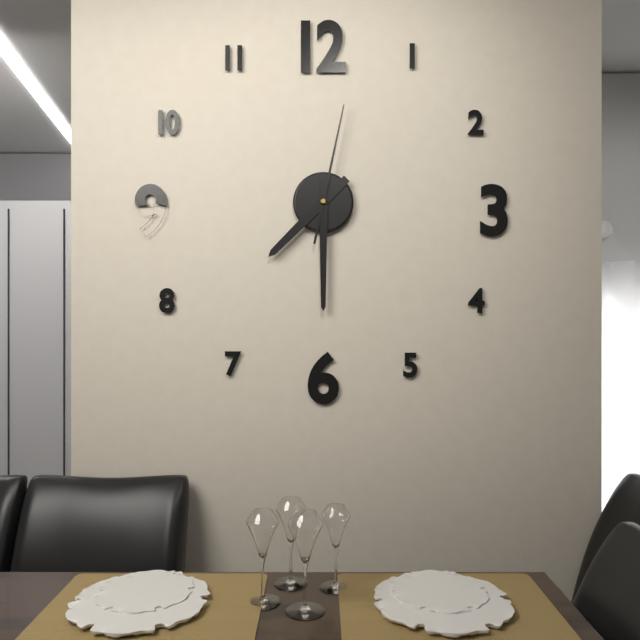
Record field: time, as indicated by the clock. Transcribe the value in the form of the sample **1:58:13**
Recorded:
**7:30:02**
